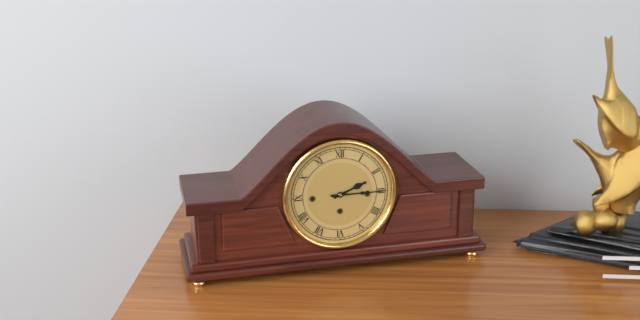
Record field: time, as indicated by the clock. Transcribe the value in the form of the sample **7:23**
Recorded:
**2:15**
